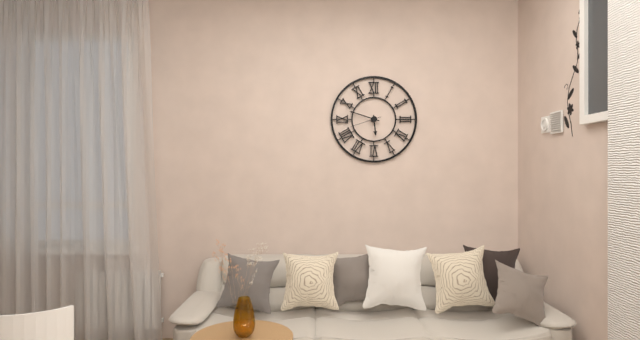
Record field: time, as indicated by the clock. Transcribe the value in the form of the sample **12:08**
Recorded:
**5:48**
